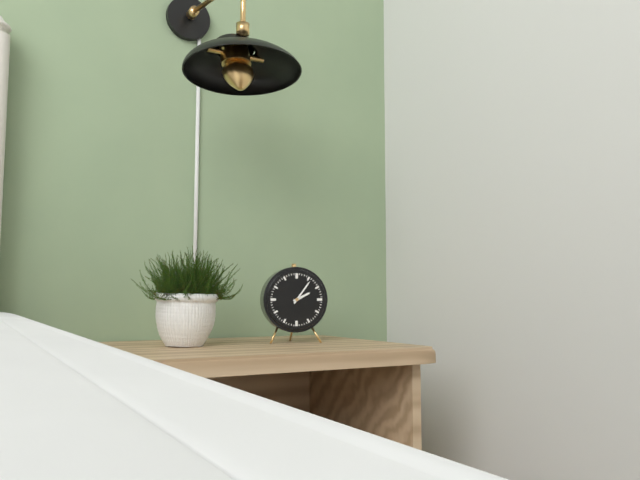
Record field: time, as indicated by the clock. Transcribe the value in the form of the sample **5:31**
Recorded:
**2:06**
